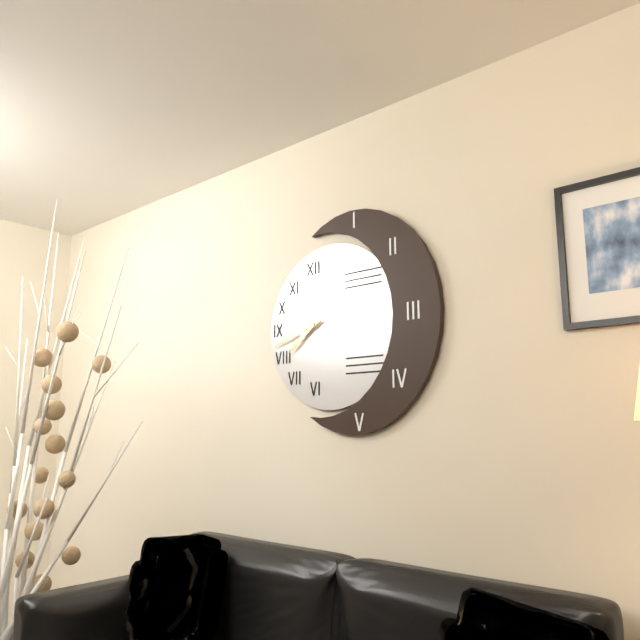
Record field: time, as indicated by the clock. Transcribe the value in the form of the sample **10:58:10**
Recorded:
**7:42:11**
